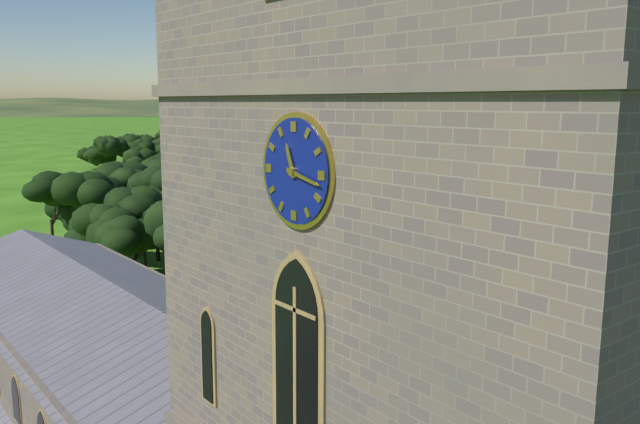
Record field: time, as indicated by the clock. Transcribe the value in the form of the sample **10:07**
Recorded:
**11:17**
